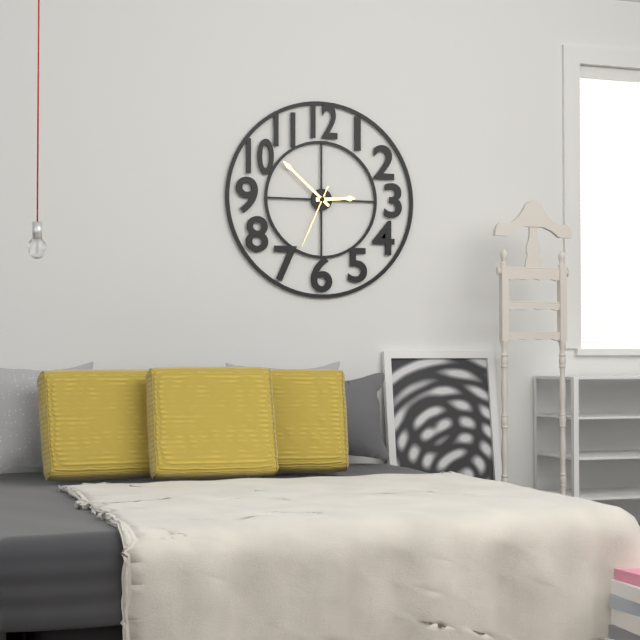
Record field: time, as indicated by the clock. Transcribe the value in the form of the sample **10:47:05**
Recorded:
**2:52:34**
